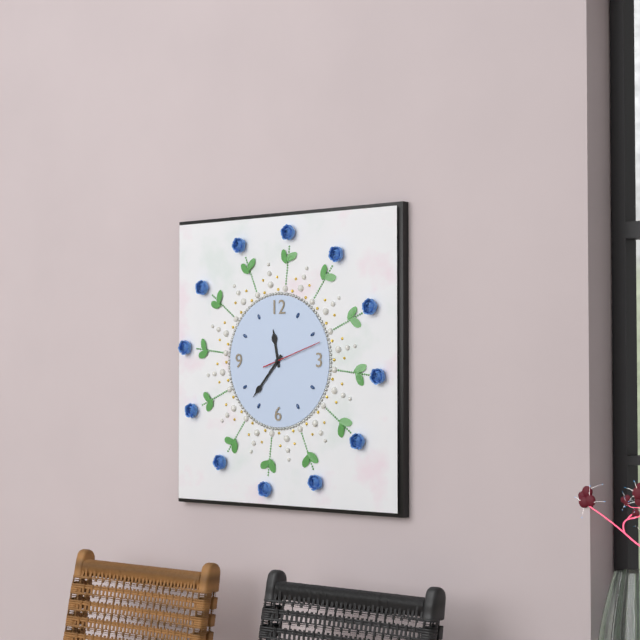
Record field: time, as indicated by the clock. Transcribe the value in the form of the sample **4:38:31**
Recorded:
**11:37:12**
